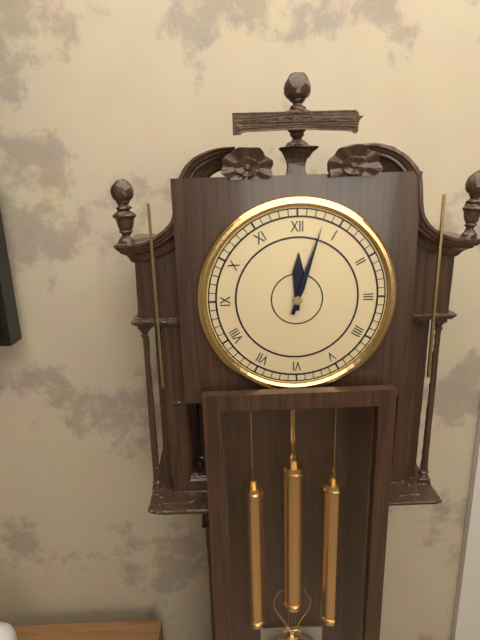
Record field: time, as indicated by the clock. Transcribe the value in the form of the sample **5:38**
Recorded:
**12:03**
